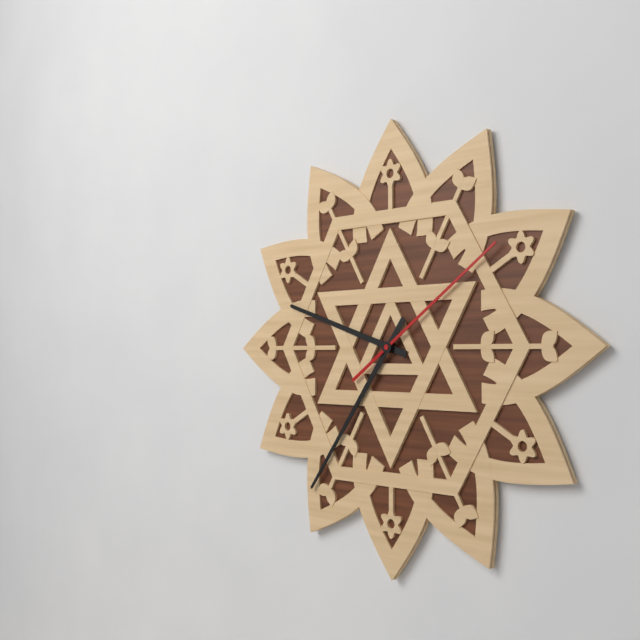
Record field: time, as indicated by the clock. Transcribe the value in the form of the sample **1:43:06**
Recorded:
**9:36:09**
